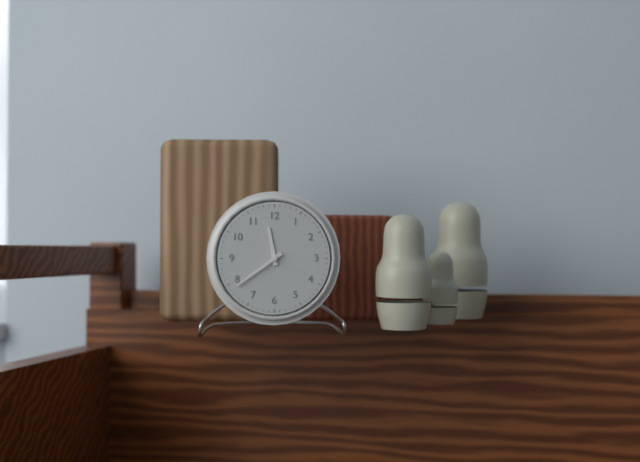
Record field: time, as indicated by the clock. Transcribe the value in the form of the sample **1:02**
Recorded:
**11:39**
